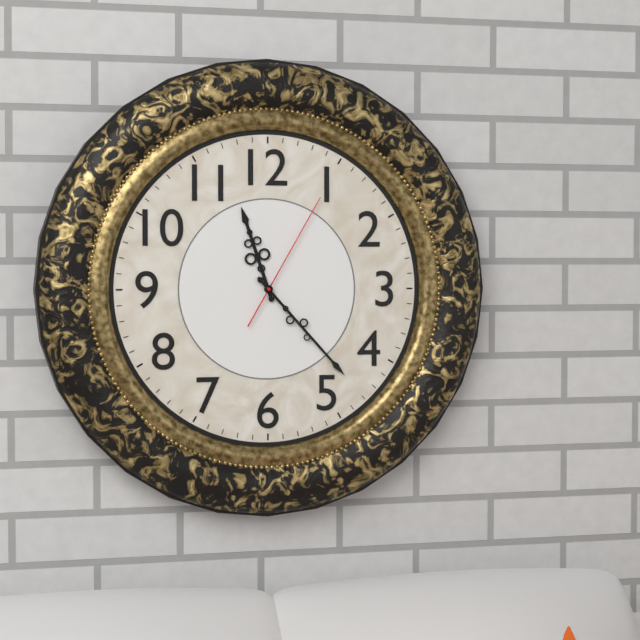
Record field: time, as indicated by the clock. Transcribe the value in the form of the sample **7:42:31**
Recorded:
**11:23:05**
